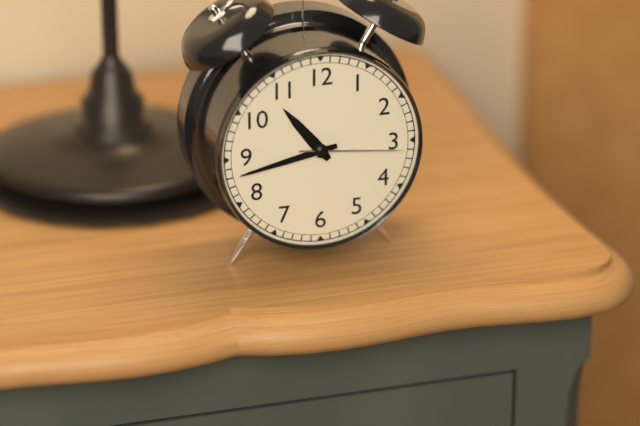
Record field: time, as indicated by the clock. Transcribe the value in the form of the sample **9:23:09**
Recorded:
**10:43:16**
